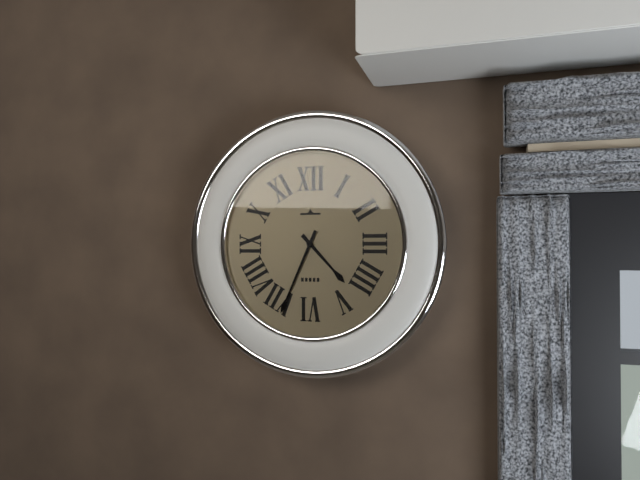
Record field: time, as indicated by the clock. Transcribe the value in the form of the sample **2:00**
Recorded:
**4:34**
